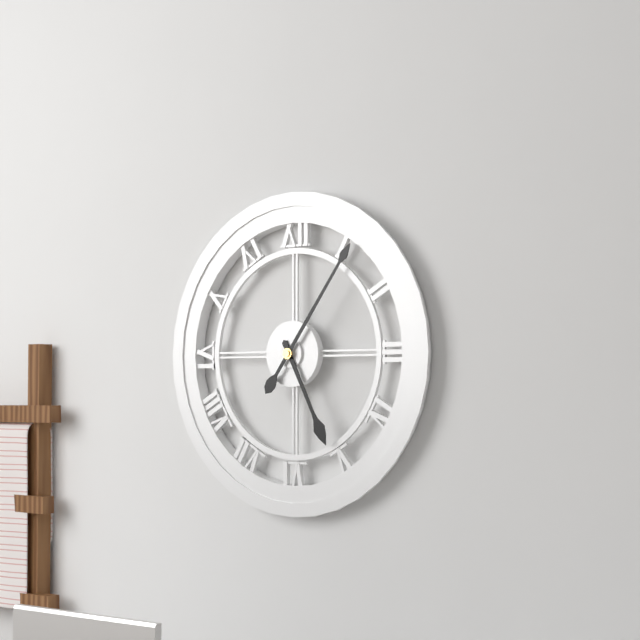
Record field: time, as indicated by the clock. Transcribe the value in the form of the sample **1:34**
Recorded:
**5:06**
